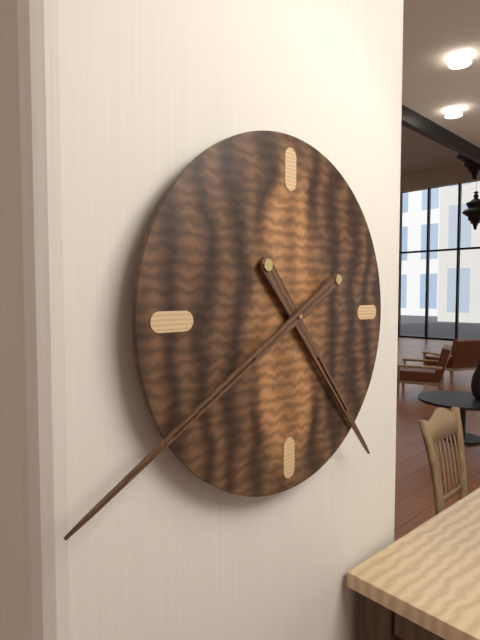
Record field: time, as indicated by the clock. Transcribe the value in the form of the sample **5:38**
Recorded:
**4:40**
